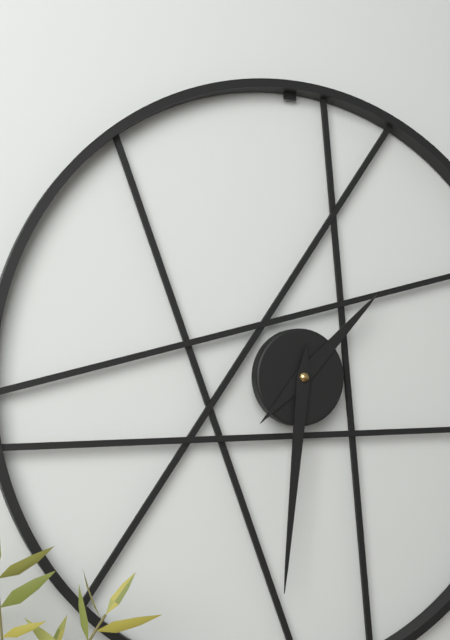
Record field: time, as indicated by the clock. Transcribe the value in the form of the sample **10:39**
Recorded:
**1:31**
